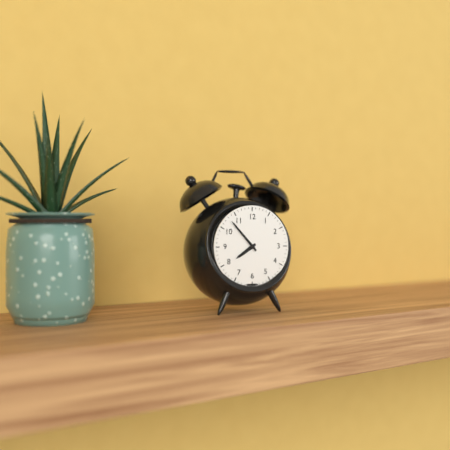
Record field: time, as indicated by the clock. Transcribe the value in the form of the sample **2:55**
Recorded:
**7:53**
